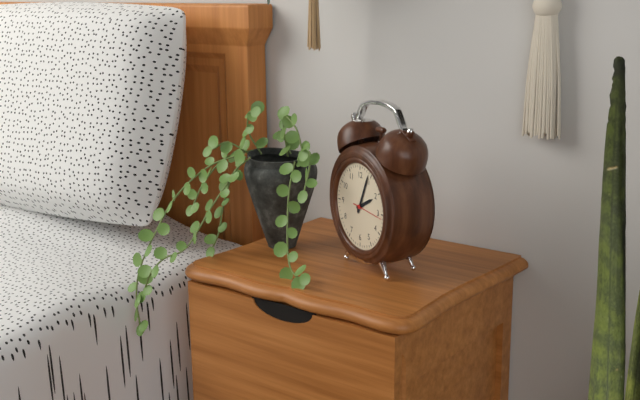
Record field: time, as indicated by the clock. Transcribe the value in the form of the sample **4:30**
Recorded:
**2:04**
